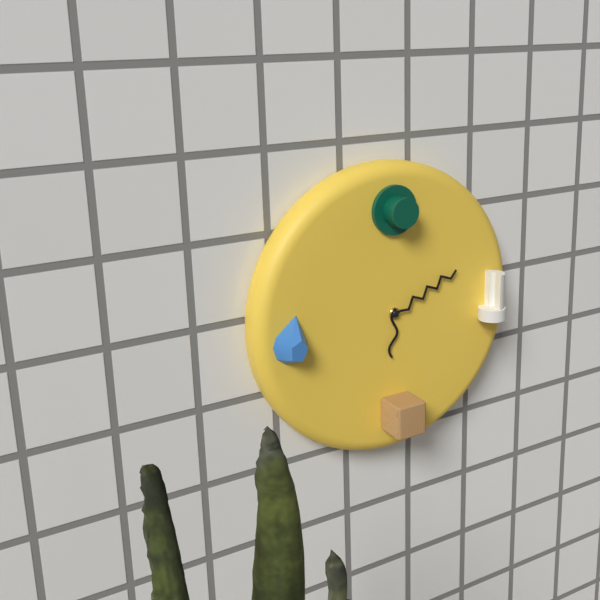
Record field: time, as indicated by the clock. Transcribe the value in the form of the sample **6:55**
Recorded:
**6:11**
